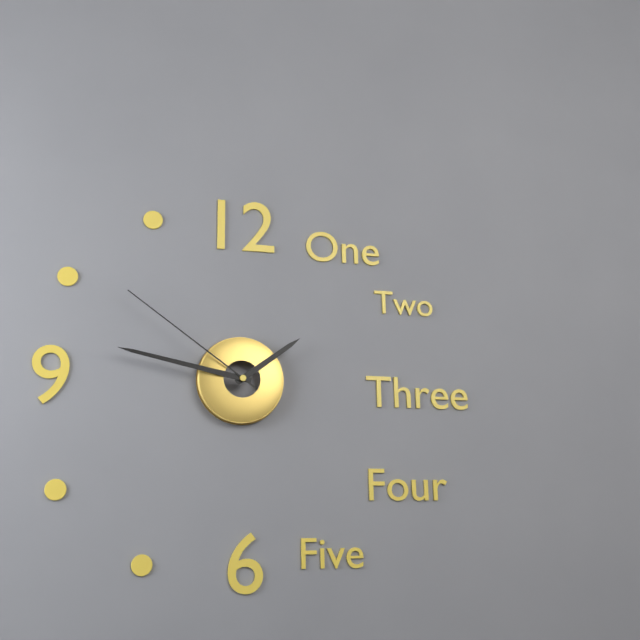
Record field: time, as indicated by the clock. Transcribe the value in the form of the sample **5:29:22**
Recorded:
**1:47:51**
